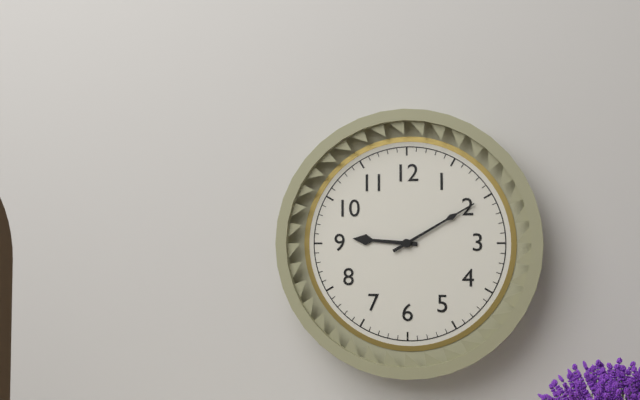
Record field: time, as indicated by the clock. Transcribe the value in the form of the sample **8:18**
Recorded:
**9:10**
